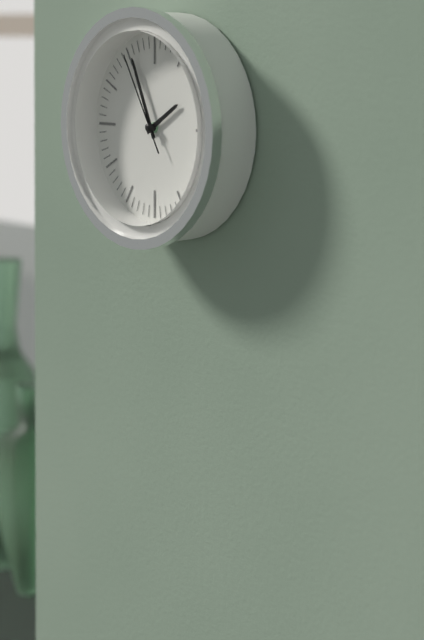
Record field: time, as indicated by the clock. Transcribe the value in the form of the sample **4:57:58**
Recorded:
**1:56:55**
